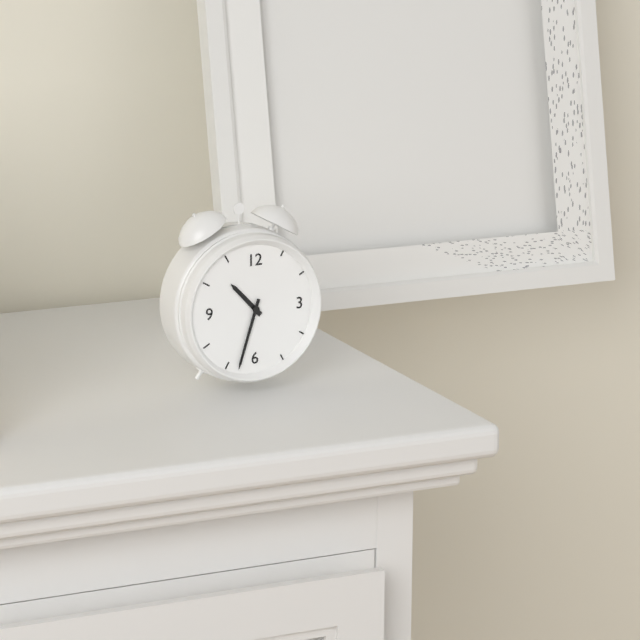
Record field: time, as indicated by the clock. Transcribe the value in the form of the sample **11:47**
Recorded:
**10:33**
